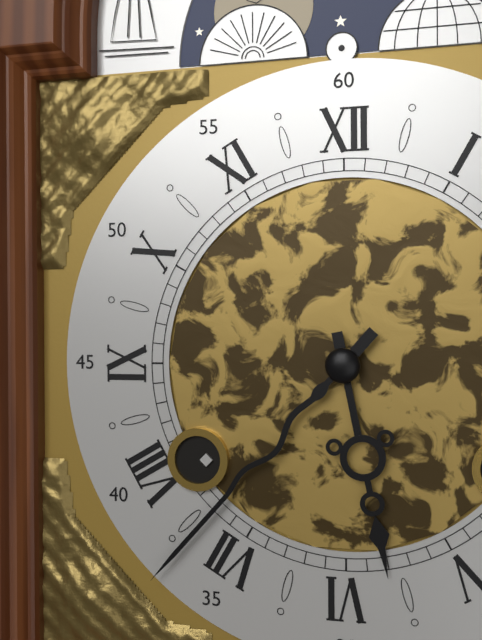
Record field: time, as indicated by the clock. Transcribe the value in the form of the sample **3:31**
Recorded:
**5:37**
